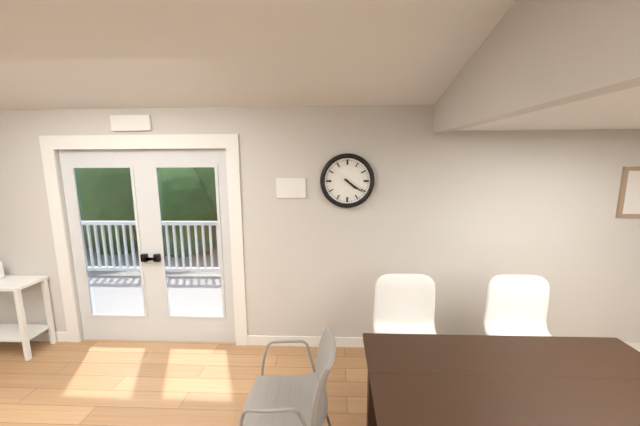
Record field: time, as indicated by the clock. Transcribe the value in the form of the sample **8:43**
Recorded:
**4:21**
